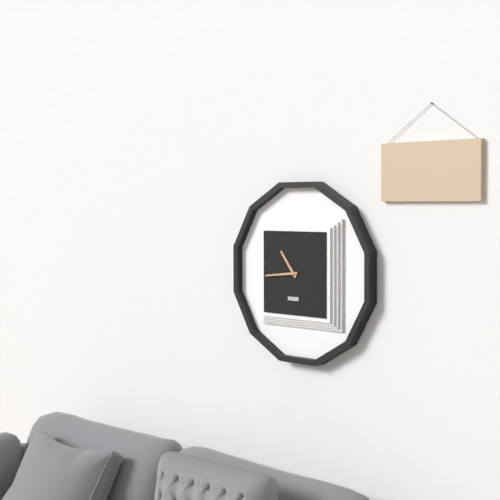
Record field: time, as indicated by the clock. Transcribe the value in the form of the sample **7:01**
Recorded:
**10:44**
